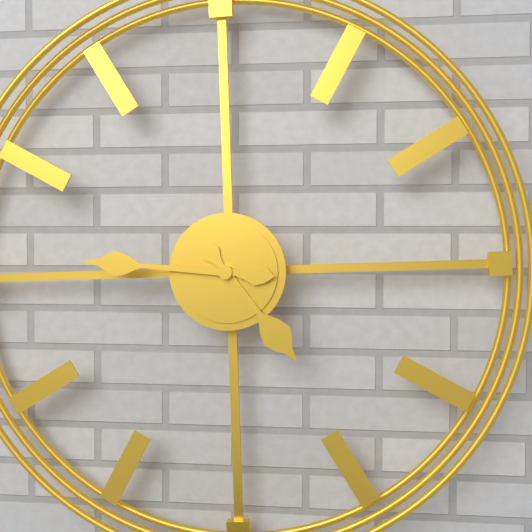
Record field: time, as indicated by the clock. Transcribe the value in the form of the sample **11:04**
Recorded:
**4:46**
